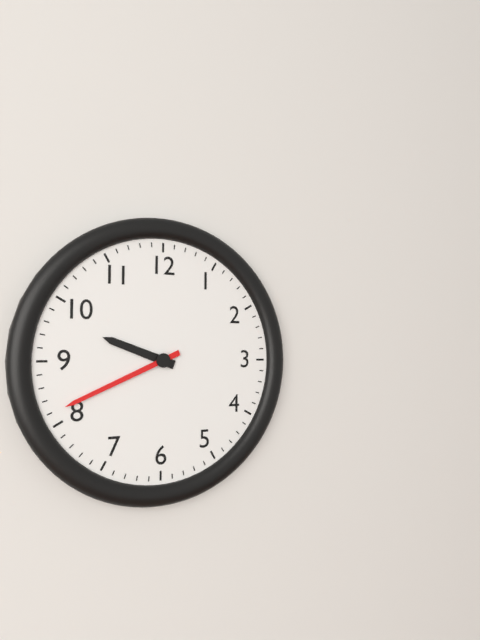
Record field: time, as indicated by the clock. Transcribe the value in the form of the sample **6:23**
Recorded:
**9:41**
